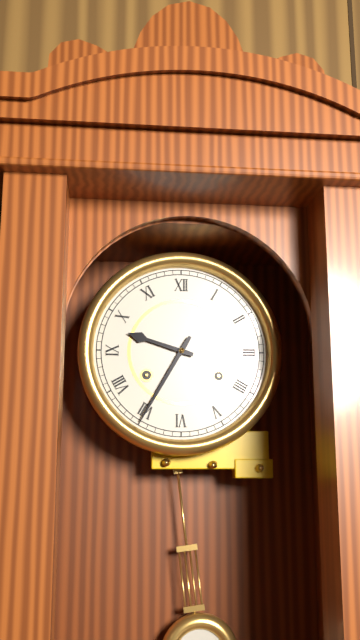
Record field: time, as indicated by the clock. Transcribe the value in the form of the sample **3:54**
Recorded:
**9:35**
